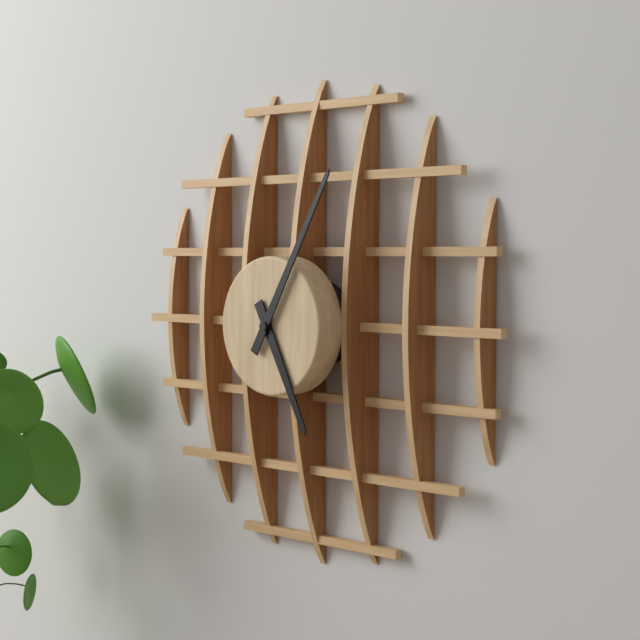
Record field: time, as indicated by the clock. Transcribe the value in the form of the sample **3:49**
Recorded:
**5:05**
